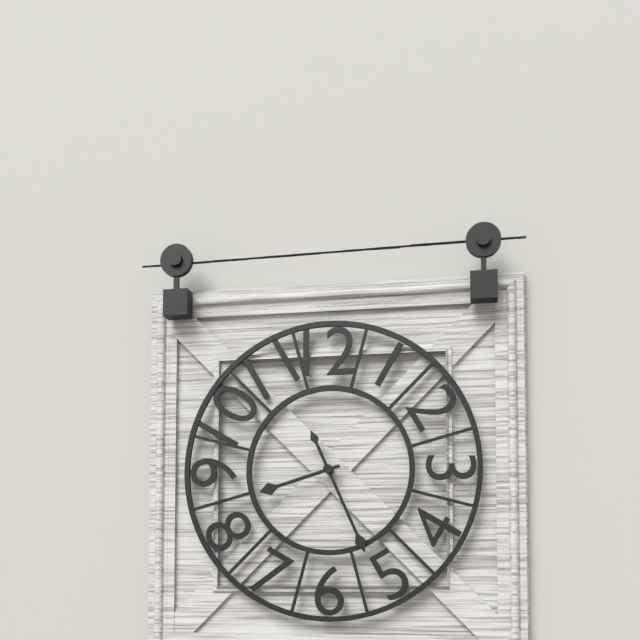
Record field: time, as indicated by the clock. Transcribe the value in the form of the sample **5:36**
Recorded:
**8:26**
